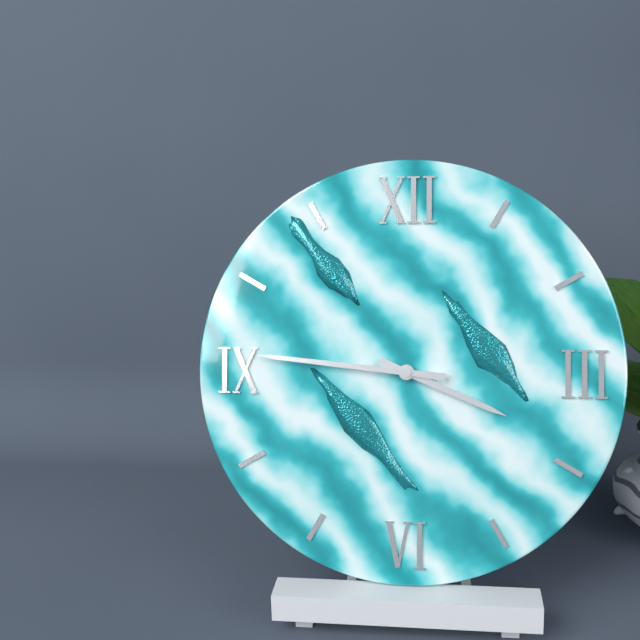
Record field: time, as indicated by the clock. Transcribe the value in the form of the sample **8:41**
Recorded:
**3:46**
